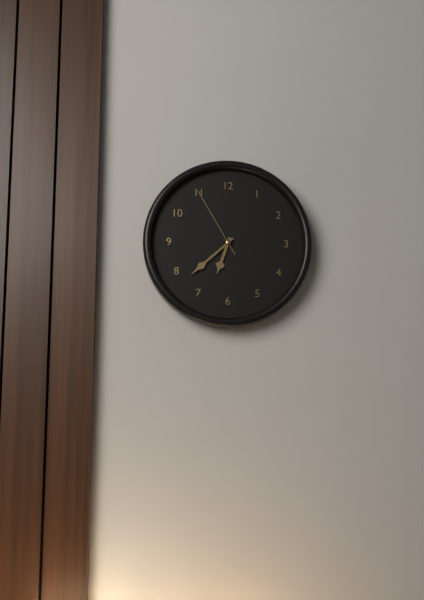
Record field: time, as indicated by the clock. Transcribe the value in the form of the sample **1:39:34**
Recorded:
**6:38:55**
